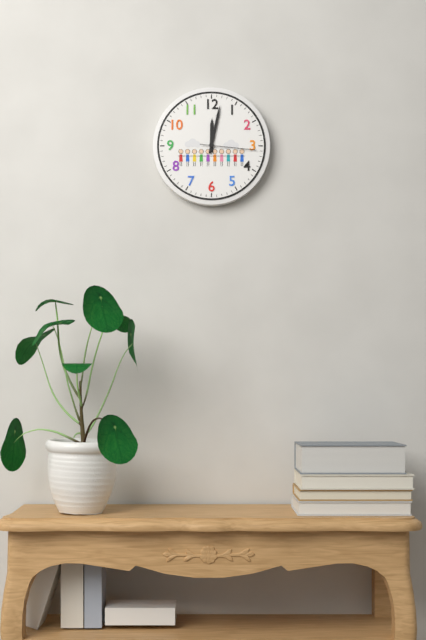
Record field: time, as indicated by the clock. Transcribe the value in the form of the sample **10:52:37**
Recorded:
**12:02:16**
